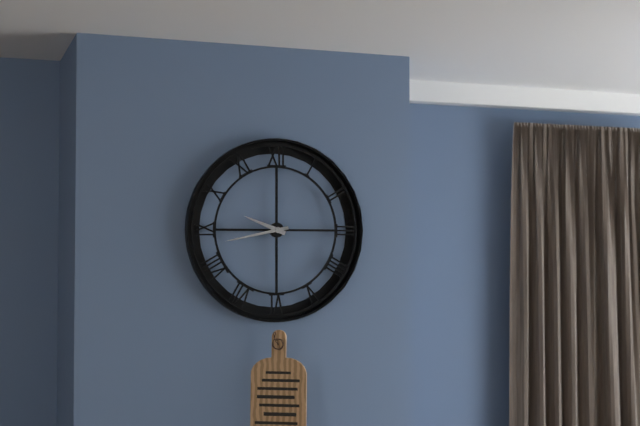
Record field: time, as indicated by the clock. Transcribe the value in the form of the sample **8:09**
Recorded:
**9:43**
